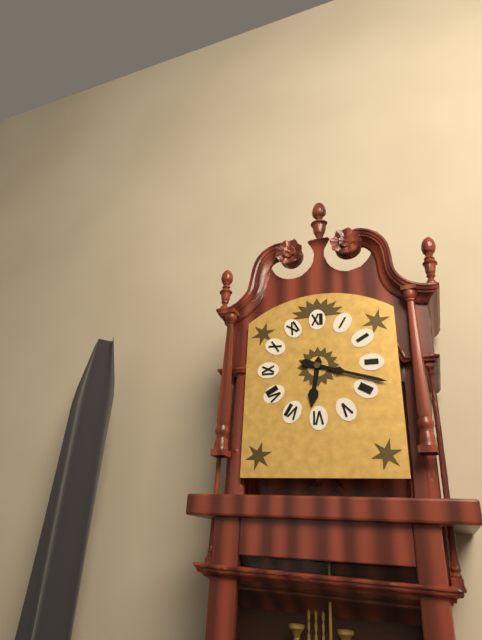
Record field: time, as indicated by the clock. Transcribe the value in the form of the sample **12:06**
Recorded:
**6:18**
